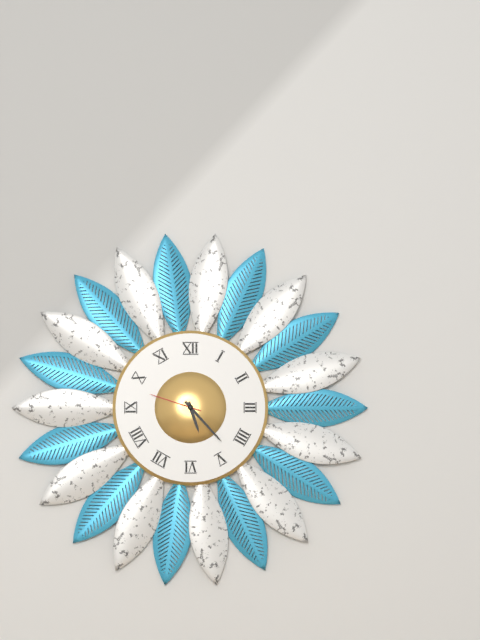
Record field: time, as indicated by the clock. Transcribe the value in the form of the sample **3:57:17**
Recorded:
**5:23:48**
